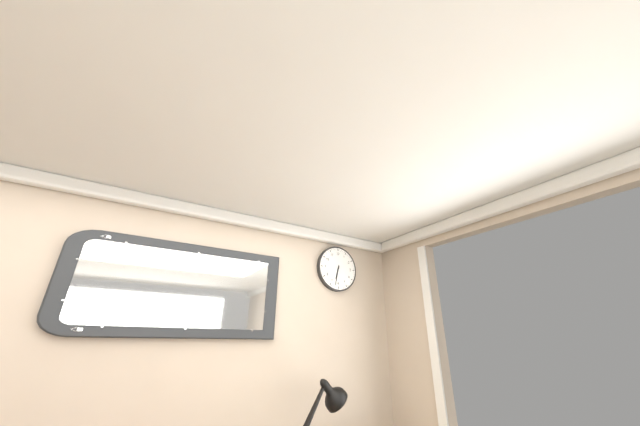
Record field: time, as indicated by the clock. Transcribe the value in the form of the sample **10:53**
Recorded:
**6:32**
